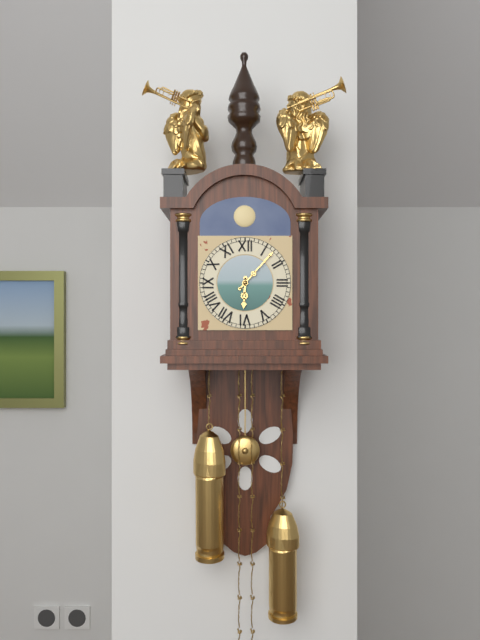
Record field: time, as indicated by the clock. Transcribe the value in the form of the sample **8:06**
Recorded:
**6:07**
